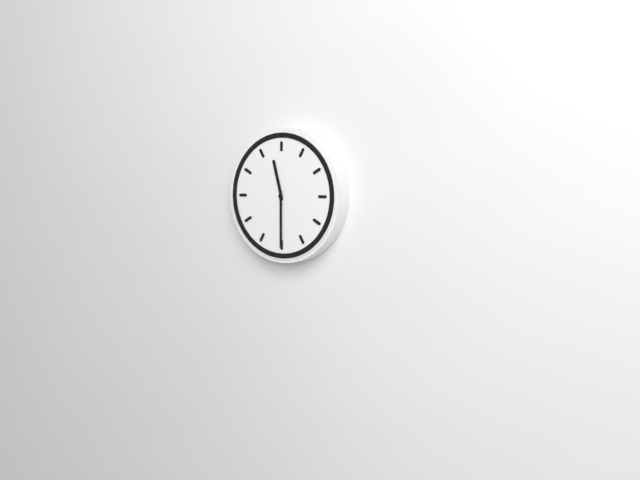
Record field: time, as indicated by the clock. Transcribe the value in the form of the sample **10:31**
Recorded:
**11:30**
